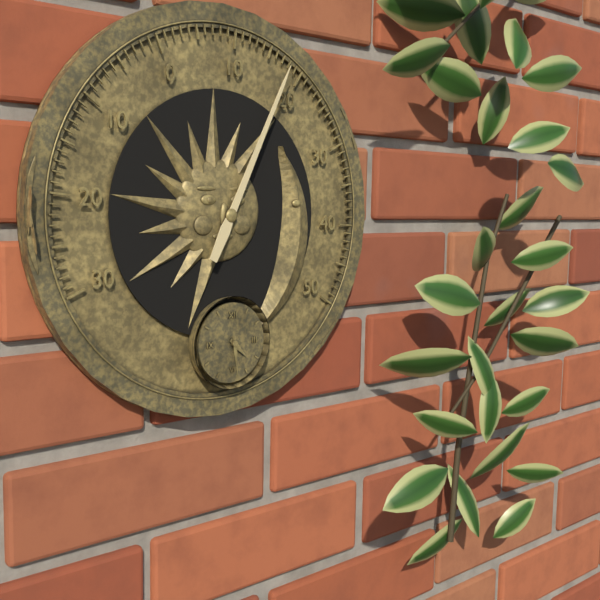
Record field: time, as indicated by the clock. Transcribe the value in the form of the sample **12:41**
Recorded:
**4:29**
